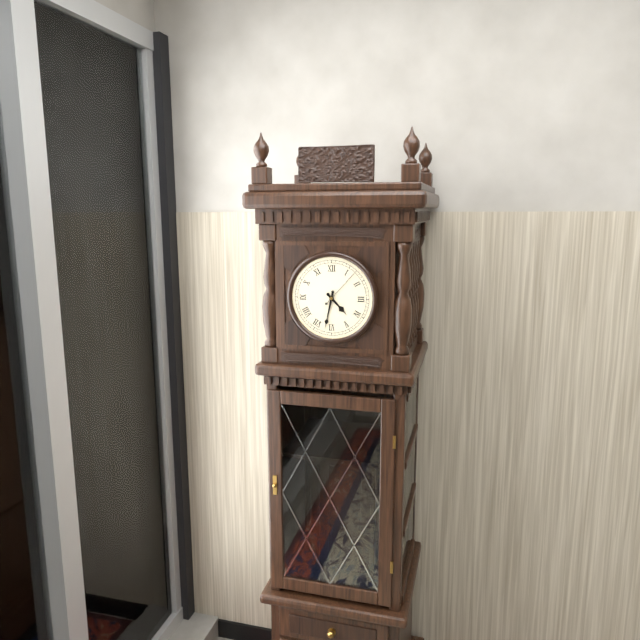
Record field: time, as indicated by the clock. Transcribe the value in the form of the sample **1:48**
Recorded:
**4:32**
